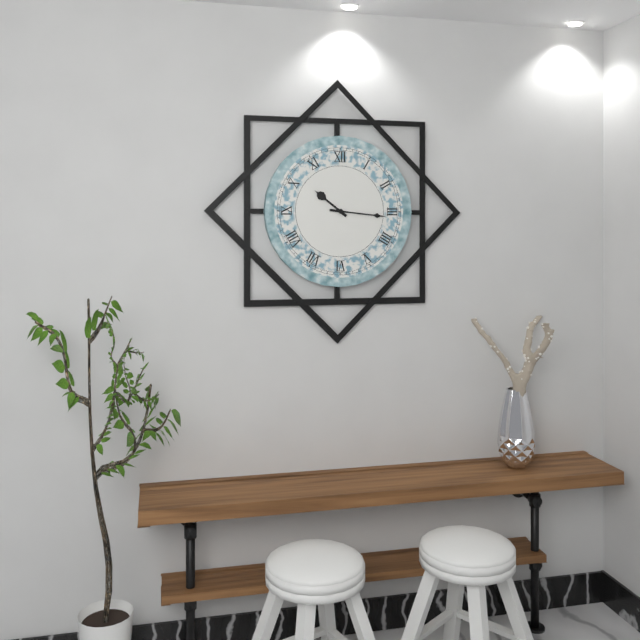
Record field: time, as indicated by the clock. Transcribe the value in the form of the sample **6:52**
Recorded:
**10:16**
